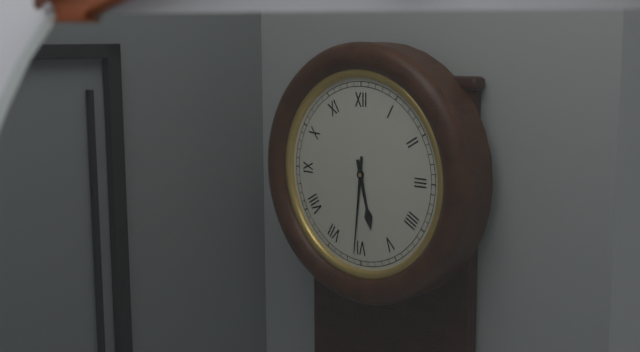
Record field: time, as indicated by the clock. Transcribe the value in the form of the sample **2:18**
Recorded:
**5:31**
